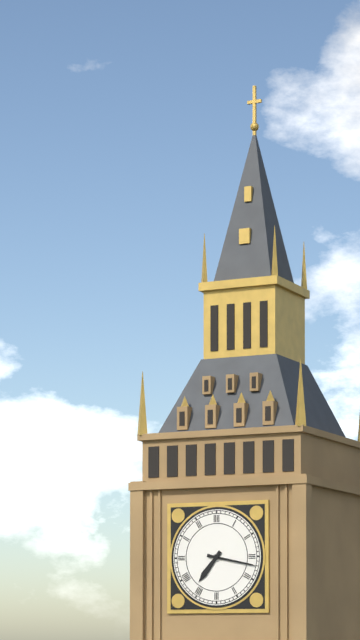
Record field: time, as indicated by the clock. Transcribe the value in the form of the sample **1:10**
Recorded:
**7:17**
